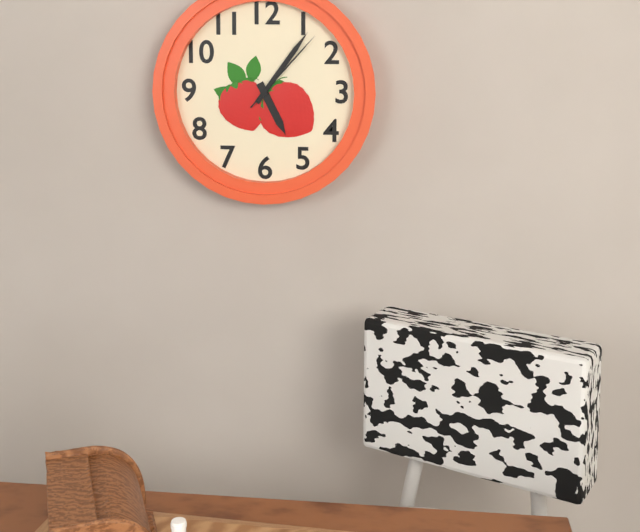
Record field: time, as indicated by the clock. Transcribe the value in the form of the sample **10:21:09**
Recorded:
**5:06:07**
